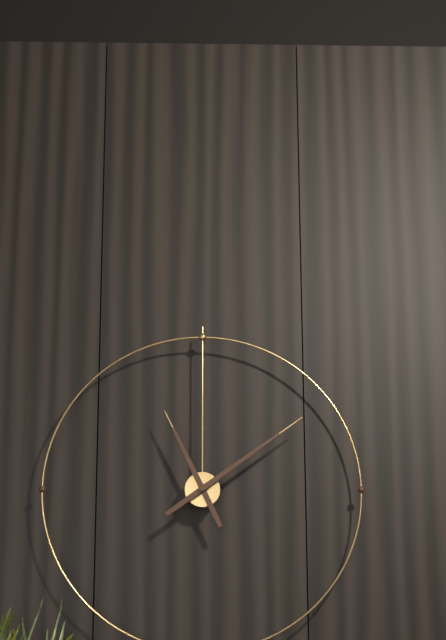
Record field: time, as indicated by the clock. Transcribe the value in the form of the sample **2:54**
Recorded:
**11:09**
